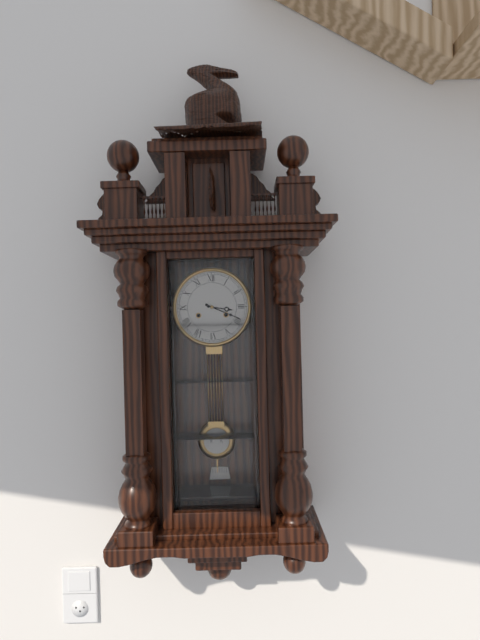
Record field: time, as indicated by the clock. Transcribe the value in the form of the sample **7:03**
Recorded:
**3:19**
